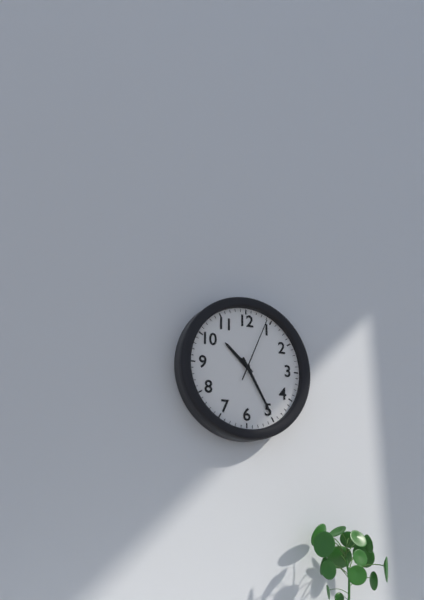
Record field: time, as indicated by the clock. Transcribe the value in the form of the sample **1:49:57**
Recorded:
**10:25:04**
